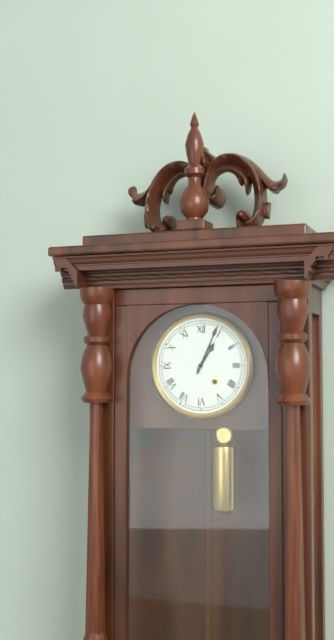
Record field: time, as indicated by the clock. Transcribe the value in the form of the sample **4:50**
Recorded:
**1:04**
